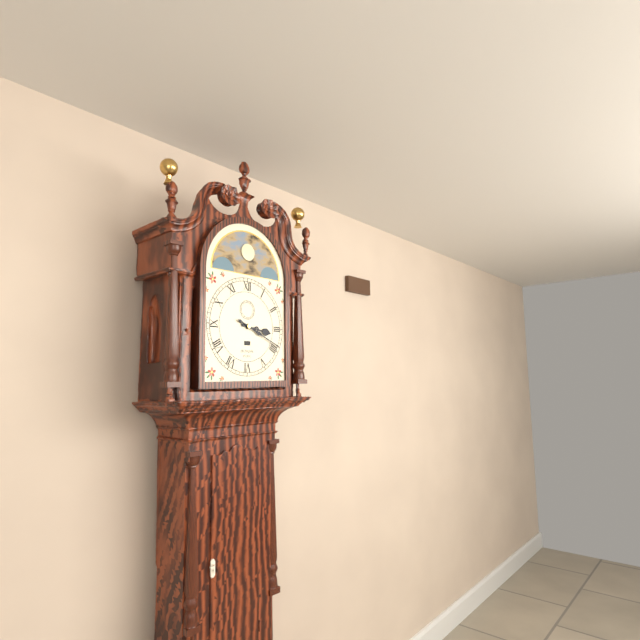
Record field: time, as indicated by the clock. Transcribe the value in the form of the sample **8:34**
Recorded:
**3:19**
